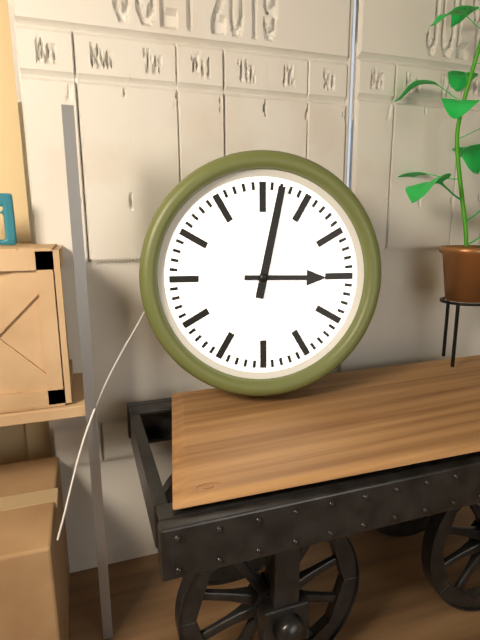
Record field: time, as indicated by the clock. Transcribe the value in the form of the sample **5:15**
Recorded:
**3:02**
